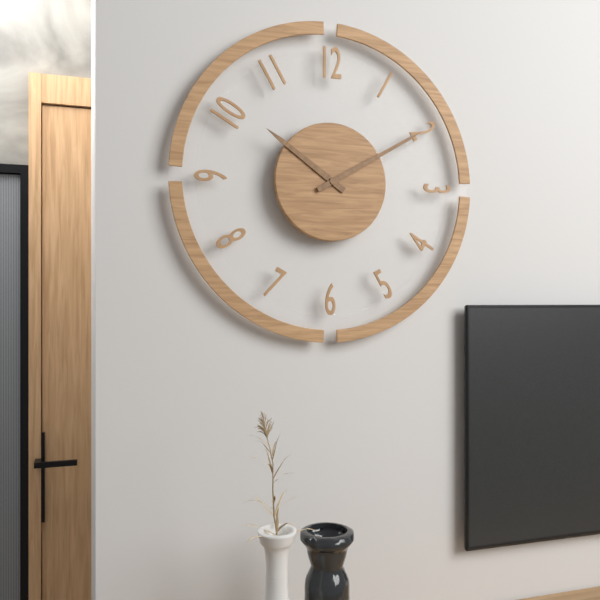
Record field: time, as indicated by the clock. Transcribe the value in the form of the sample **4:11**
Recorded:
**10:10**
